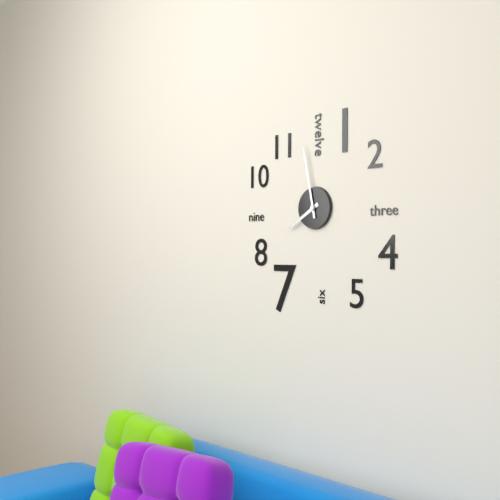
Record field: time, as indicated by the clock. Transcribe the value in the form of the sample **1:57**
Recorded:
**7:58**
